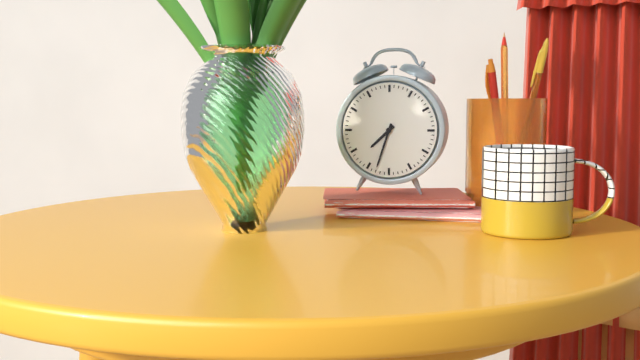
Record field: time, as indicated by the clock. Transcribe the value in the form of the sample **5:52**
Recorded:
**7:33**
